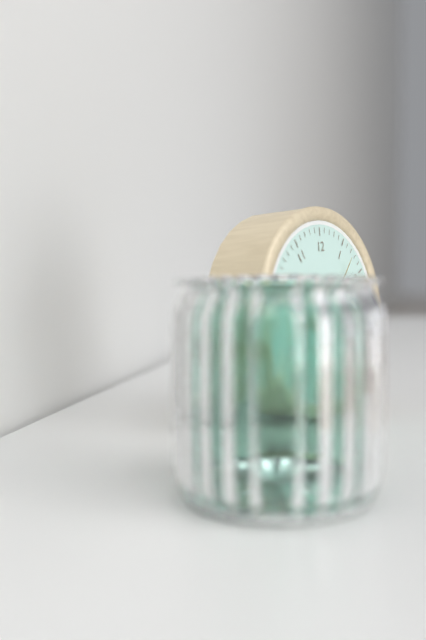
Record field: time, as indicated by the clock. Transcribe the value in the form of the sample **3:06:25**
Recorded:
**9:37:07**
